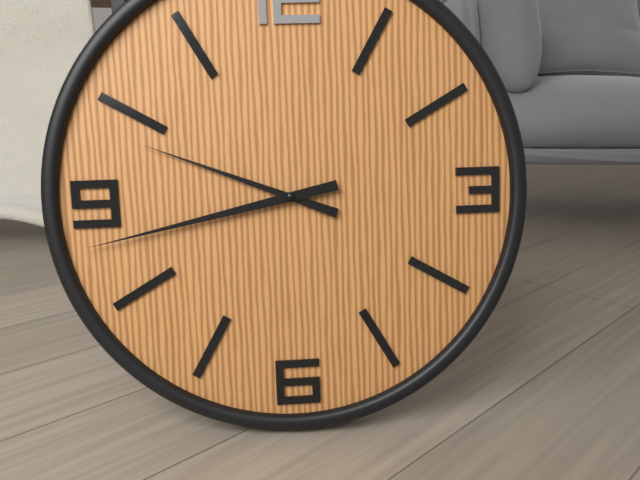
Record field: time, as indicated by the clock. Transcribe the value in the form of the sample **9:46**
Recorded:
**9:43**
